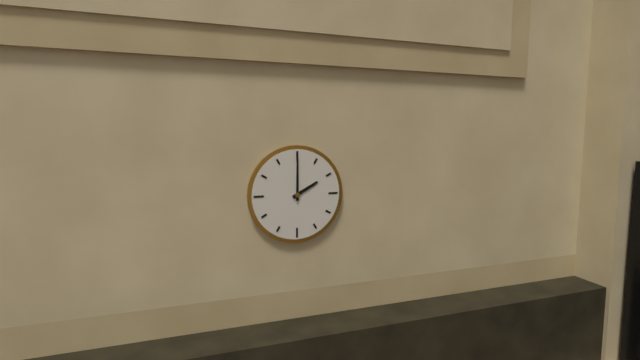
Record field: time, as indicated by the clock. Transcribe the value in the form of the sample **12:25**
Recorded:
**2:00**
